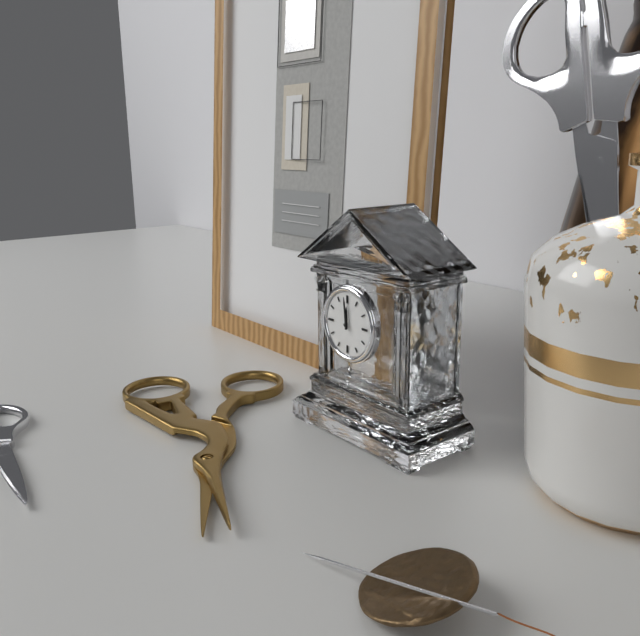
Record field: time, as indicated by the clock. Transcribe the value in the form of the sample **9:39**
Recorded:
**11:59**
